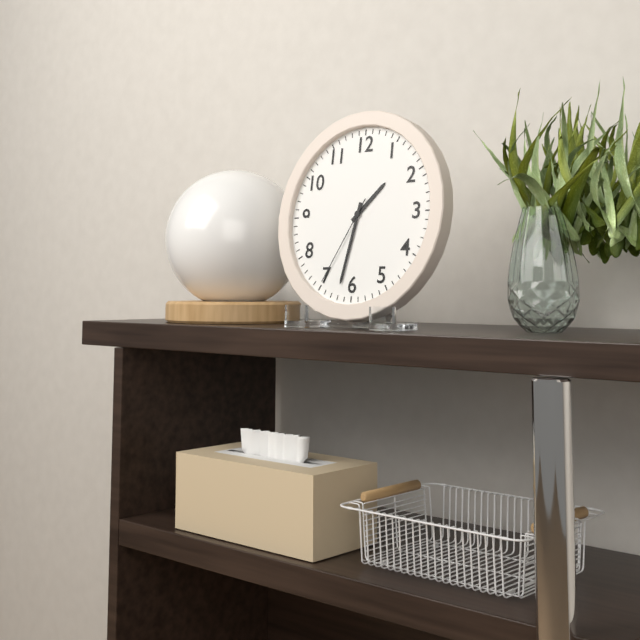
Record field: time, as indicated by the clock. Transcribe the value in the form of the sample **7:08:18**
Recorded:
**1:32:35**
